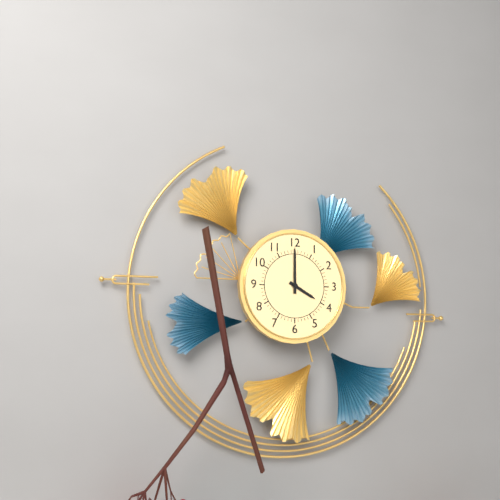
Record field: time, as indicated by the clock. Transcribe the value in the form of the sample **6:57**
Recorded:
**4:00**
